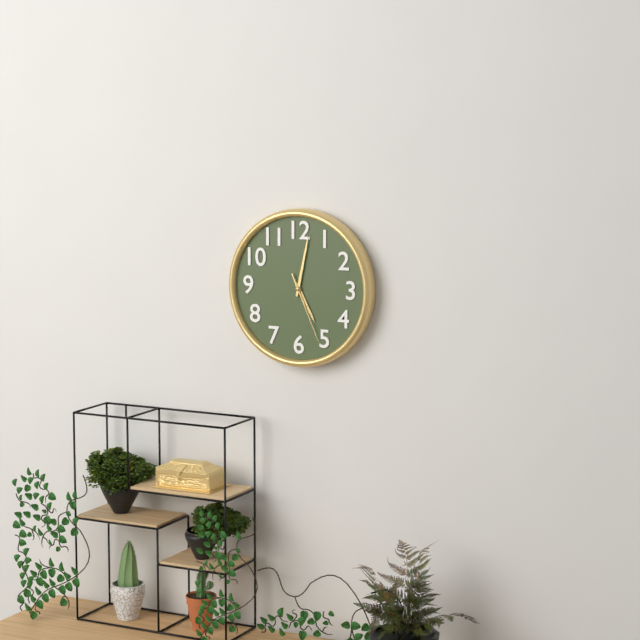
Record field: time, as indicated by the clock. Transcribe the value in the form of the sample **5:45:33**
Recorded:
**5:02:26**
